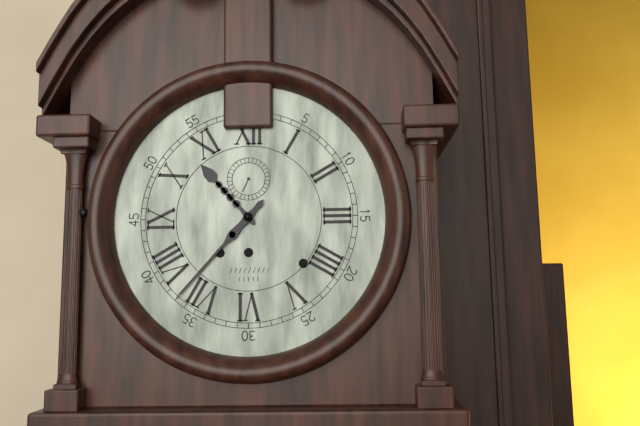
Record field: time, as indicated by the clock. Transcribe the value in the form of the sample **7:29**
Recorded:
**10:37**
